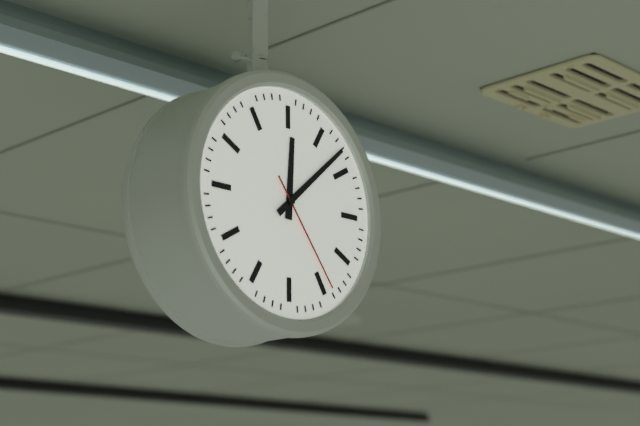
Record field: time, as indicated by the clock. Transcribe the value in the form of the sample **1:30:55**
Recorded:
**12:08:24**
